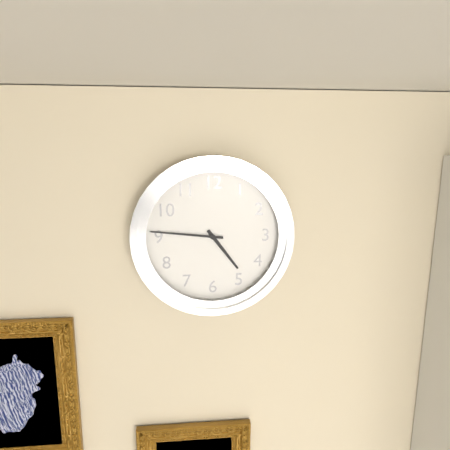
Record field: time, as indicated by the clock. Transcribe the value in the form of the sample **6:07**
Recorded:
**4:46**
